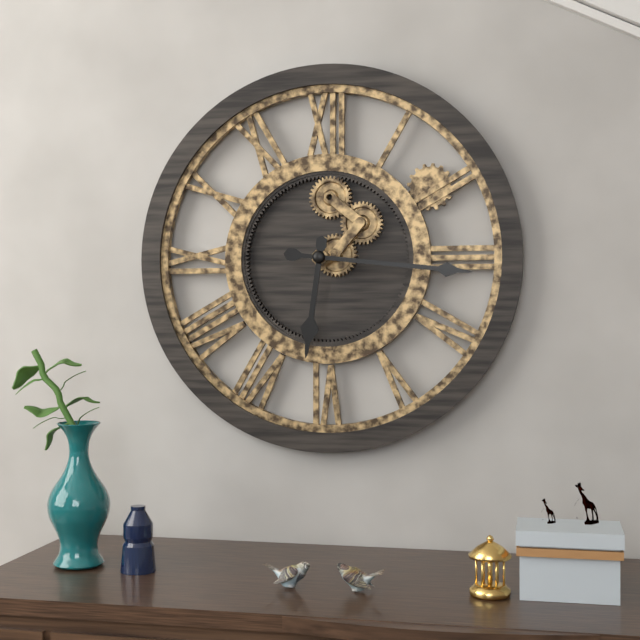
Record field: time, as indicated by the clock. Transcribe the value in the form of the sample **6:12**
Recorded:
**6:16**
